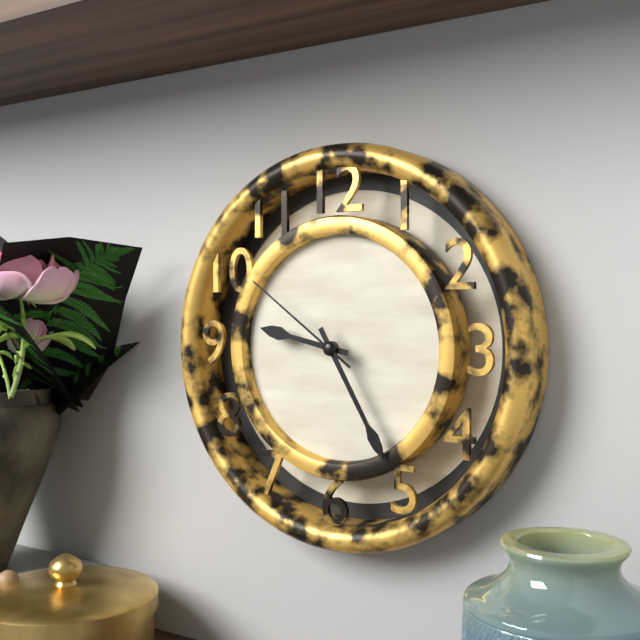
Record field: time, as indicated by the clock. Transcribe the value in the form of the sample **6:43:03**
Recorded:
**9:25:51**
